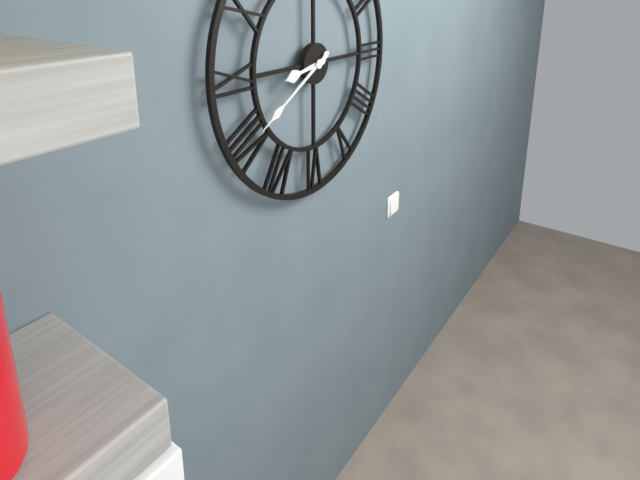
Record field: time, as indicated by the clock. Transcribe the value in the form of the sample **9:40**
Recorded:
**8:40**
